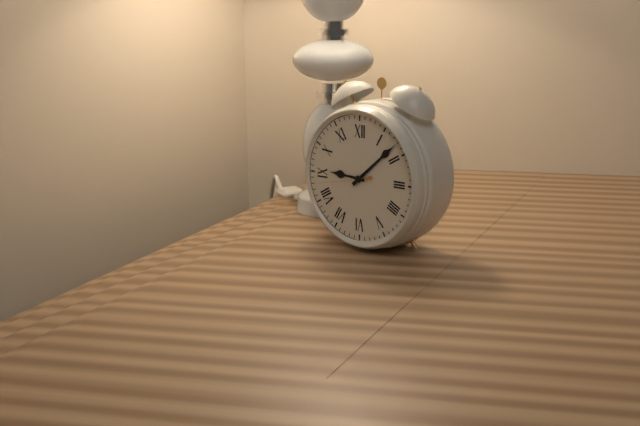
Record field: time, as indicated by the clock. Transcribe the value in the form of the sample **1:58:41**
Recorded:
**9:08:43**
